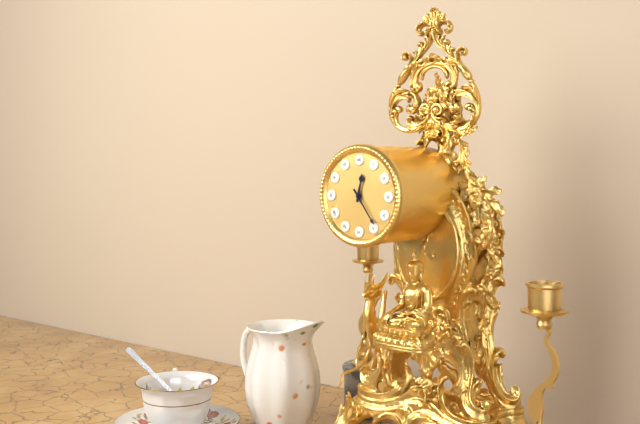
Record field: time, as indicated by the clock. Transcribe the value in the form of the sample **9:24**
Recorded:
**12:24**
